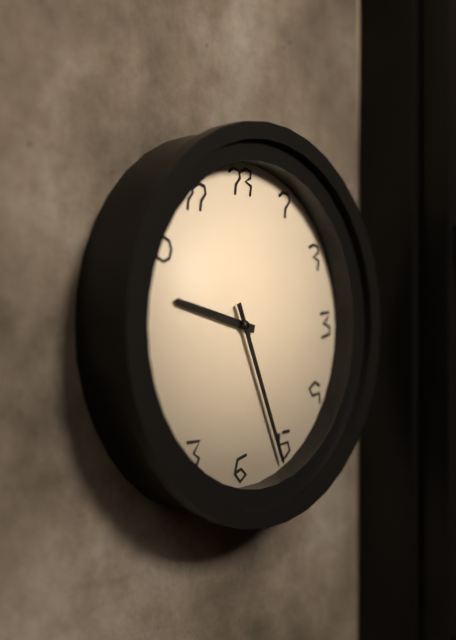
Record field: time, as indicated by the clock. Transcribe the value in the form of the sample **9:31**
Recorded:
**9:26**
